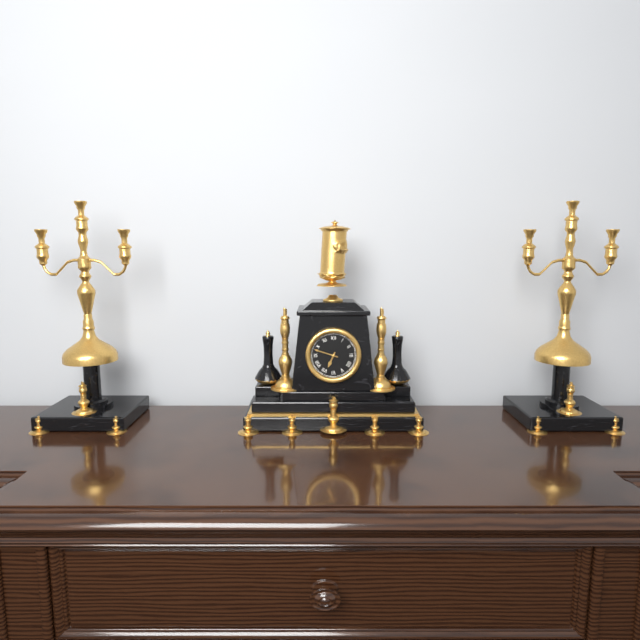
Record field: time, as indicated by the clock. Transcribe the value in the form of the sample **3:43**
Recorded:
**6:48**
